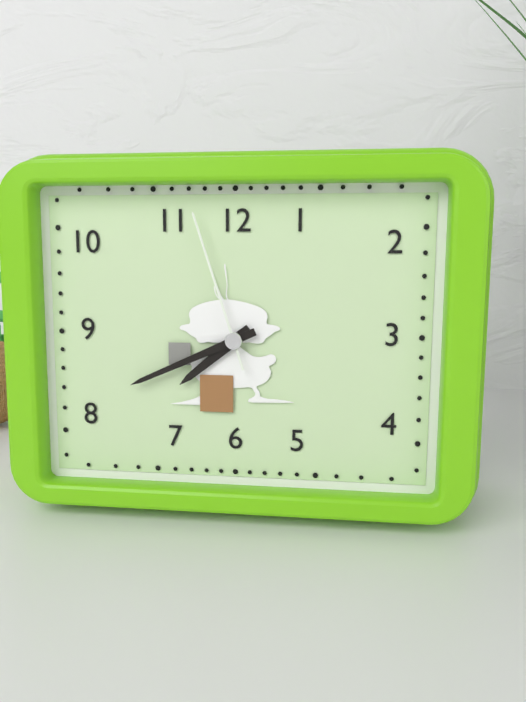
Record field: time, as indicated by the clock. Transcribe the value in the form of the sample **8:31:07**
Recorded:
**7:41:57**
